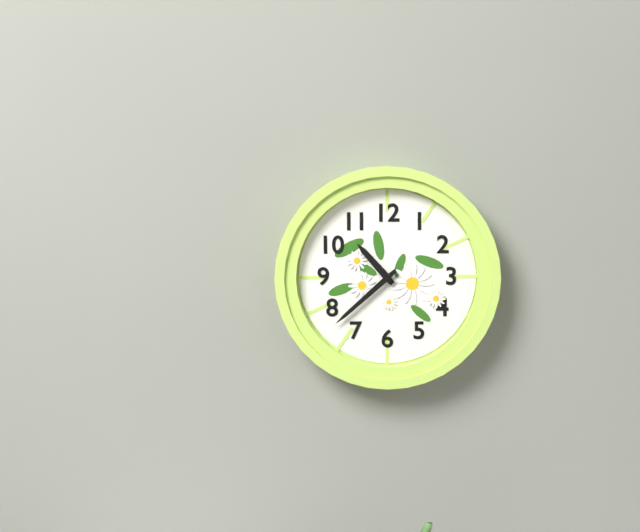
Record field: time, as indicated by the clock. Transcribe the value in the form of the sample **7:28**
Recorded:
**10:38**
